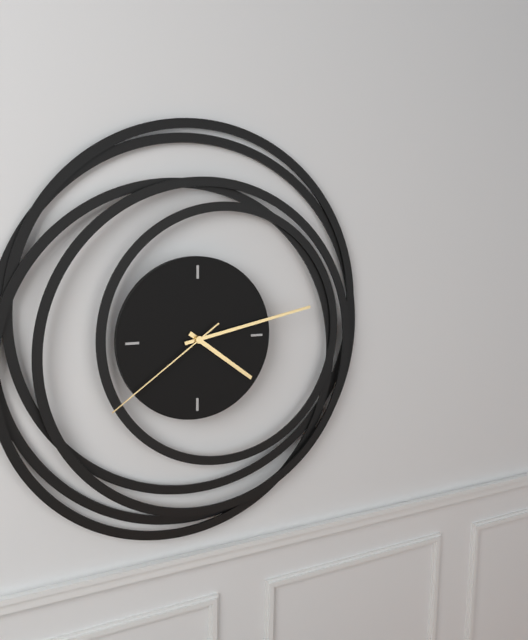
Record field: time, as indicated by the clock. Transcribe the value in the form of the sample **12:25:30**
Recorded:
**4:13:39**
